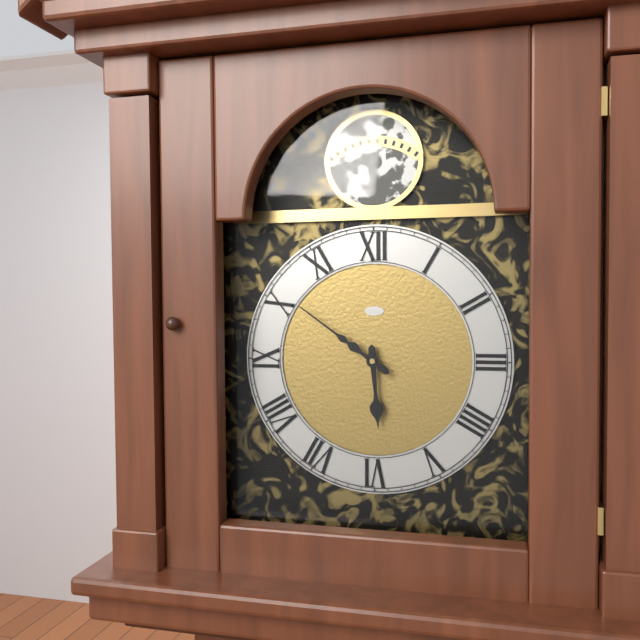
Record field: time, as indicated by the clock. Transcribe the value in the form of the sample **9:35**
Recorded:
**5:51**
